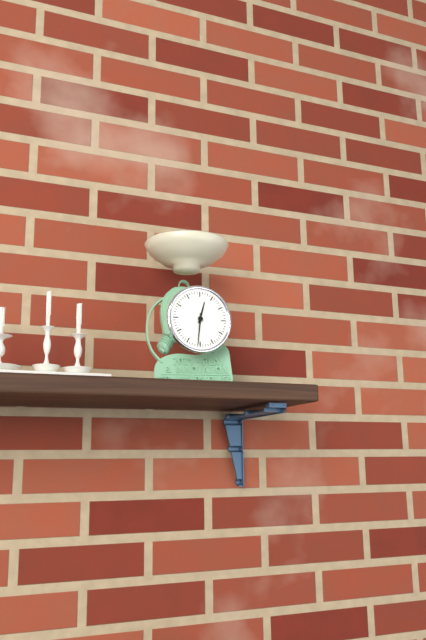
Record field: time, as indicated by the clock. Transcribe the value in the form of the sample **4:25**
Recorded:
**12:31**
